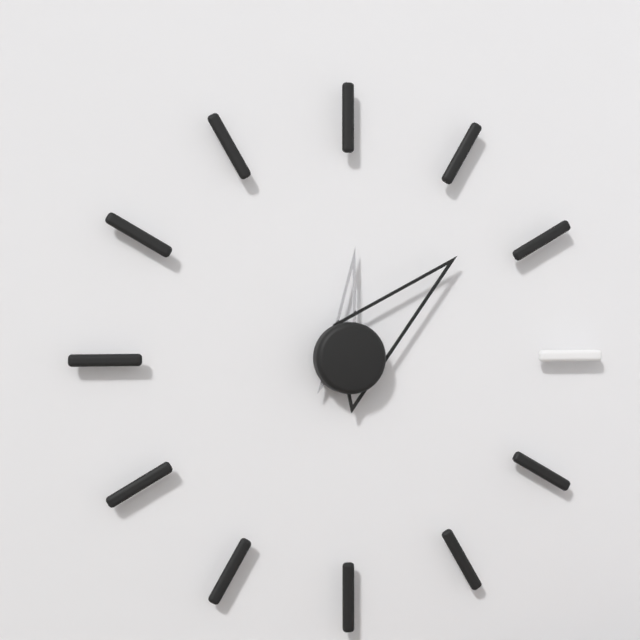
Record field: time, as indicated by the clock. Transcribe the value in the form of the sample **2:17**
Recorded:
**12:08**
